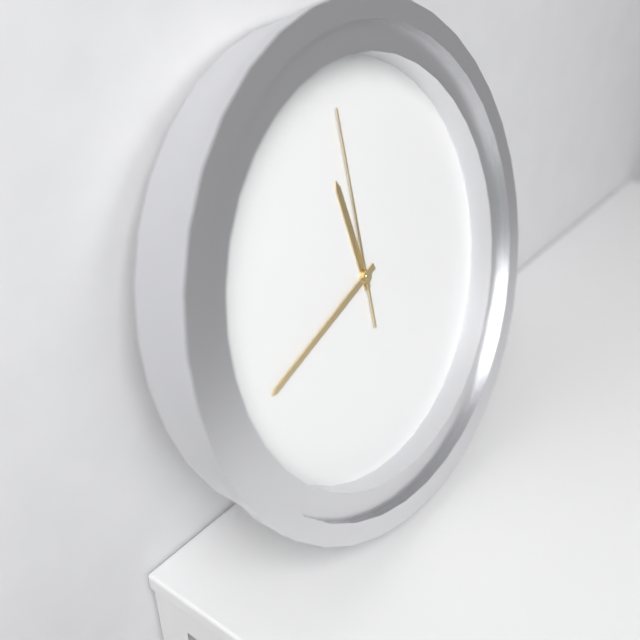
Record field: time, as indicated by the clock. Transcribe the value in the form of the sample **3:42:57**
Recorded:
**11:42:00**
